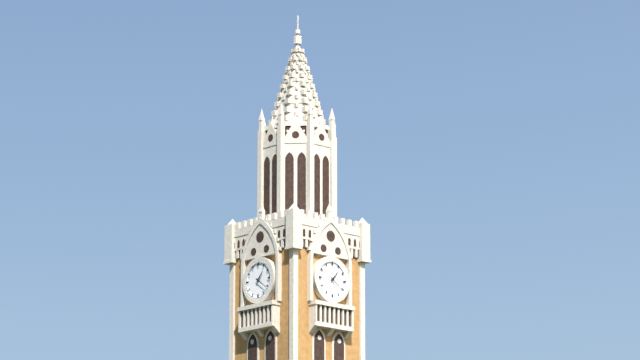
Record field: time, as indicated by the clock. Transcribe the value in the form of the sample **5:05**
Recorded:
**1:21**
